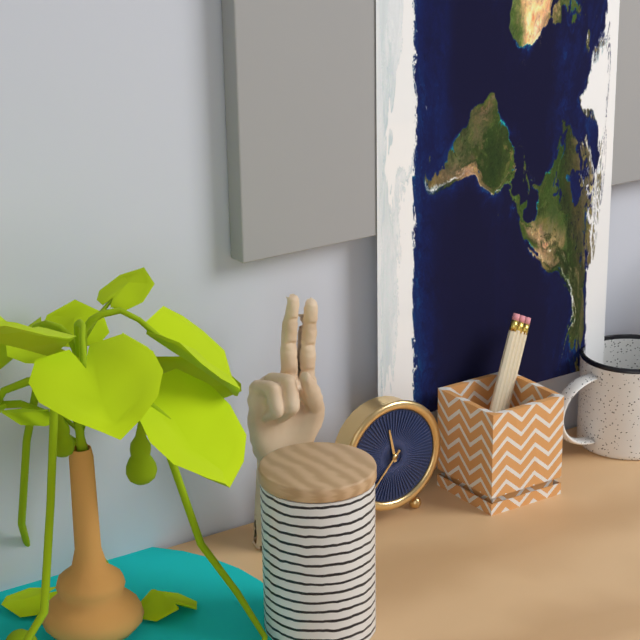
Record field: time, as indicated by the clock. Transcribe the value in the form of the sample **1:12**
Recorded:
**11:37**
